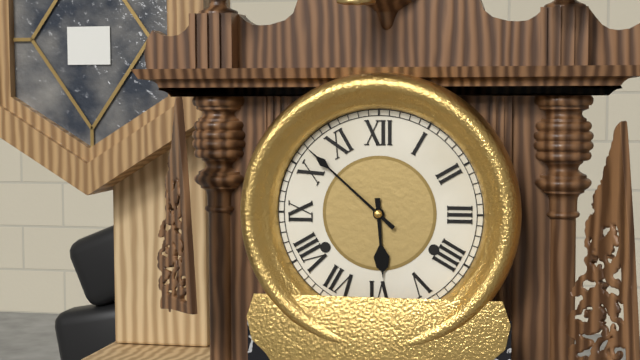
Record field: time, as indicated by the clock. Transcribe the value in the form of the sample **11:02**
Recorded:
**5:52**
